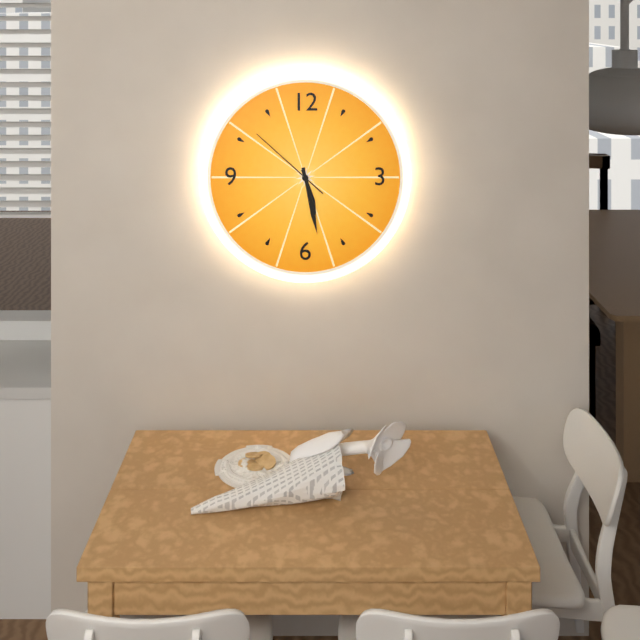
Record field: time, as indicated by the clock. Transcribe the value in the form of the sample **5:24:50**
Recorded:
**5:28:52**
